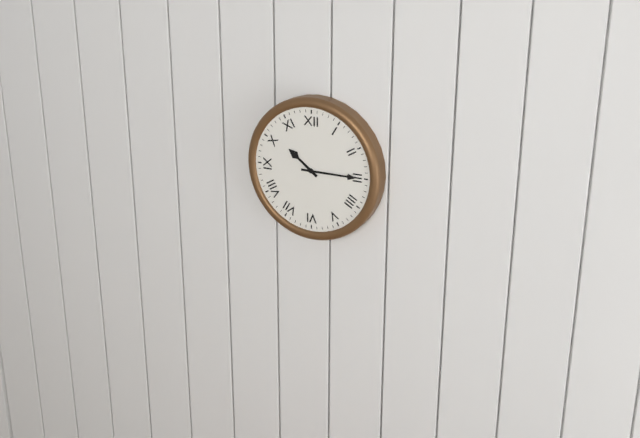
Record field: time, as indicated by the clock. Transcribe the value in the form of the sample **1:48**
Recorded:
**10:15**
